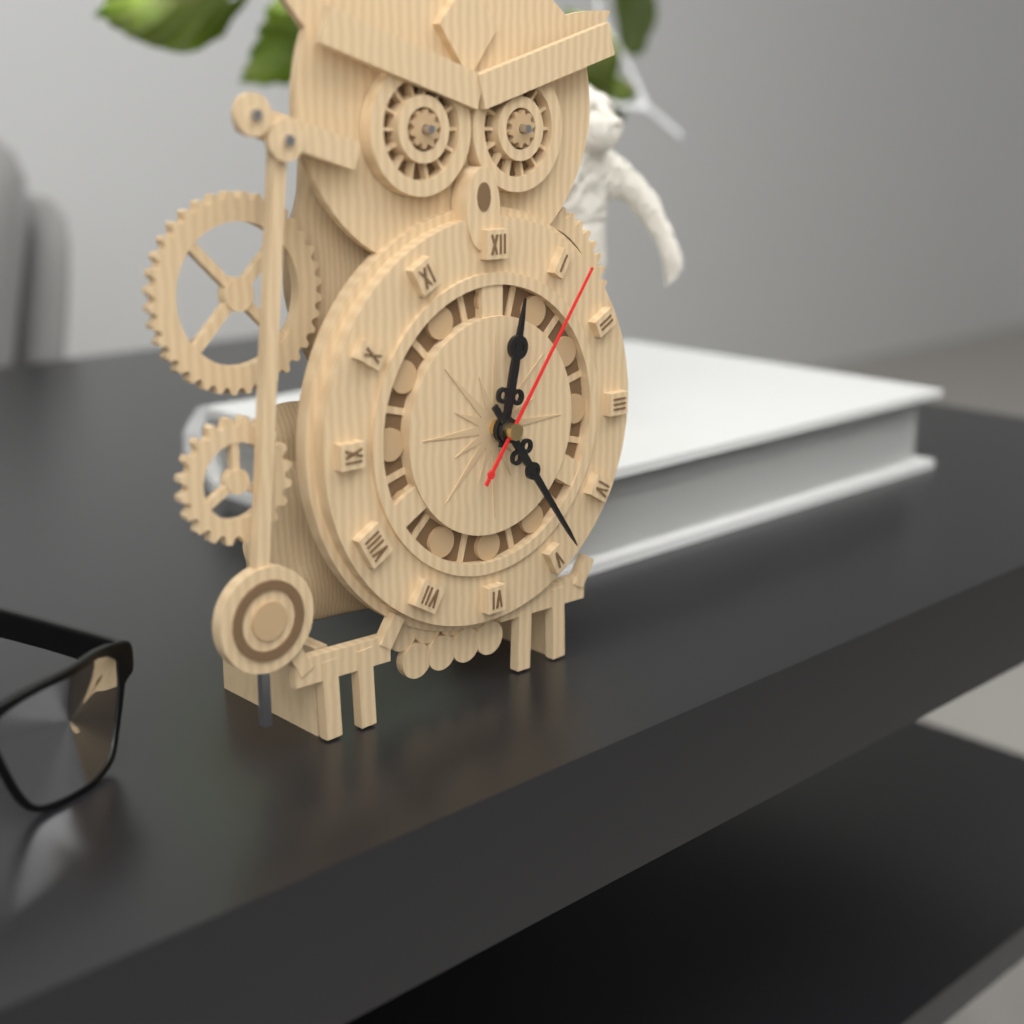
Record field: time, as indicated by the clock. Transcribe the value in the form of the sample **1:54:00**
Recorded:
**12:24:06**
